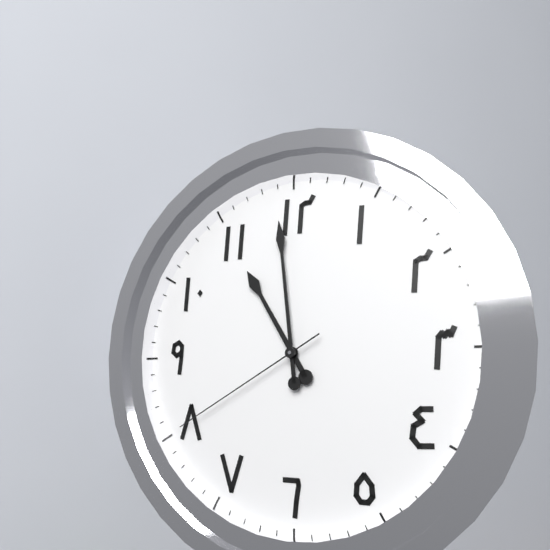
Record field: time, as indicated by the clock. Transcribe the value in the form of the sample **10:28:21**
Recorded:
**10:59:40**
